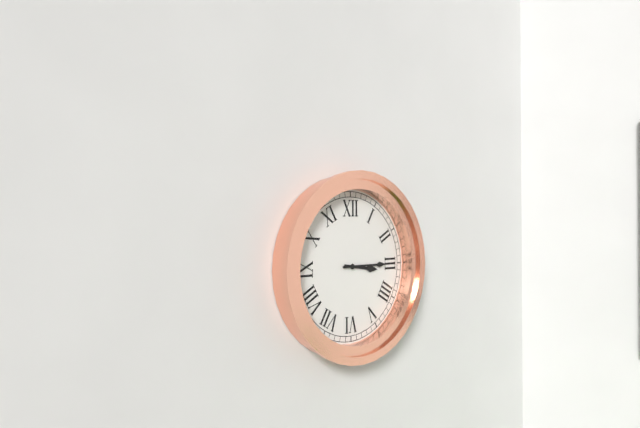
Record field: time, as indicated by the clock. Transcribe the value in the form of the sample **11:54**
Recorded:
**3:15**
